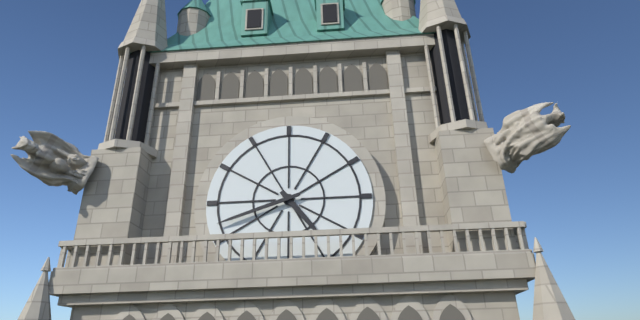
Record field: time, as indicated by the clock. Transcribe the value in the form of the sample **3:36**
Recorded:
**4:42**
